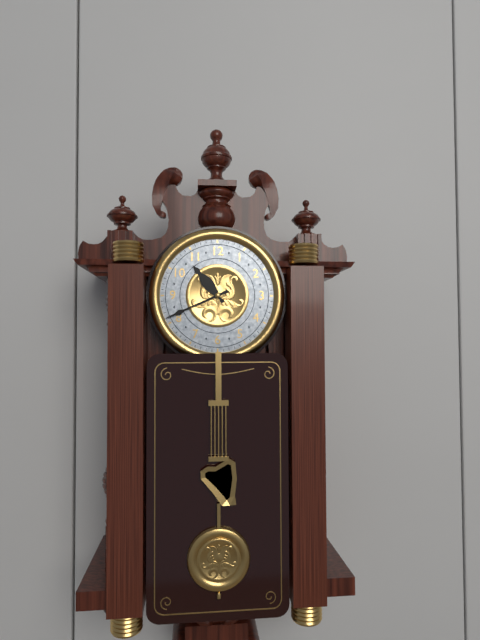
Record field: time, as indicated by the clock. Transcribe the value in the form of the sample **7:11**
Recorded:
**10:41**
